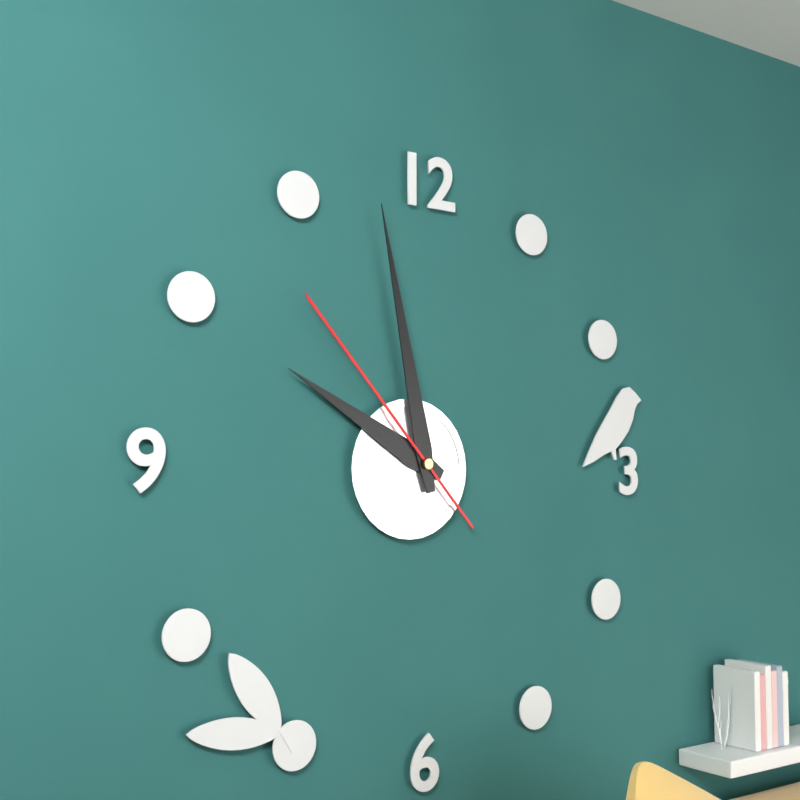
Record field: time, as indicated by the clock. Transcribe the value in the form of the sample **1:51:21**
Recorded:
**9:58:53**
